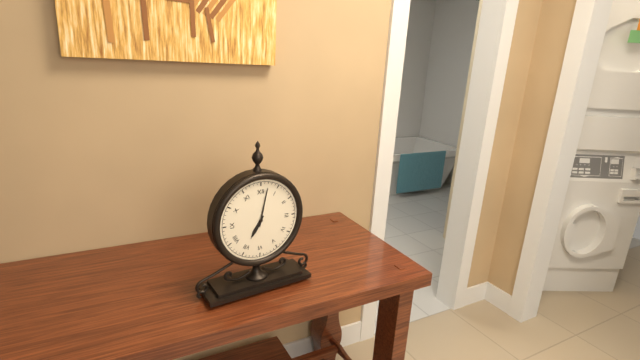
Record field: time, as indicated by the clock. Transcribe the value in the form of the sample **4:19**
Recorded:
**7:02**
